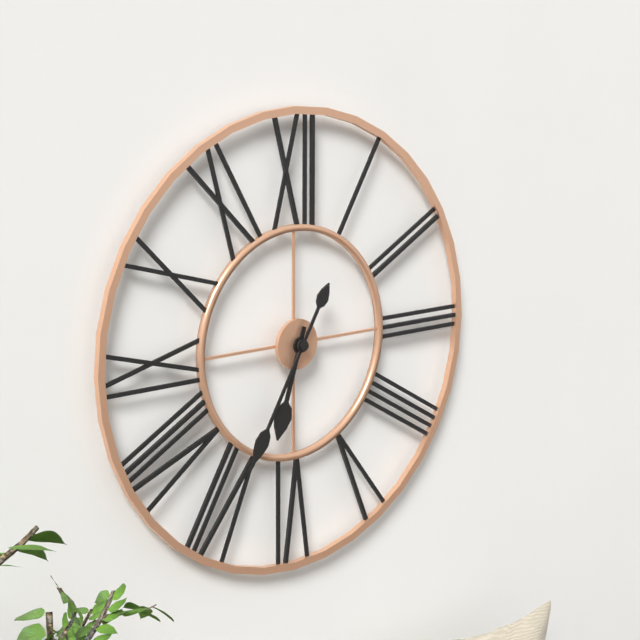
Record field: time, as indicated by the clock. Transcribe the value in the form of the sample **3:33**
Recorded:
**6:35**
